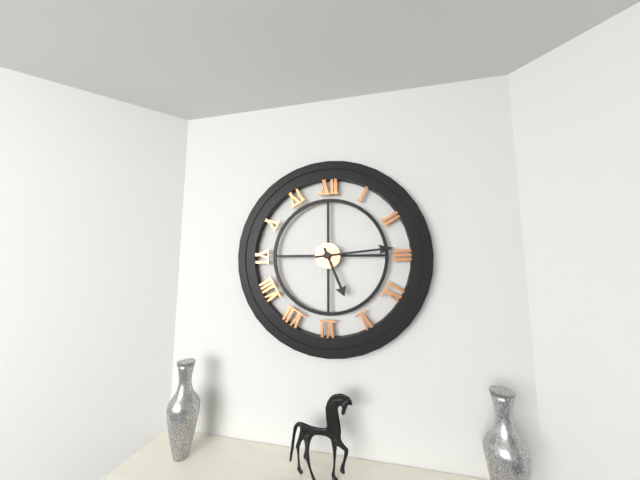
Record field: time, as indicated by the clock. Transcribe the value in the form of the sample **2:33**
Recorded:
**5:14**
